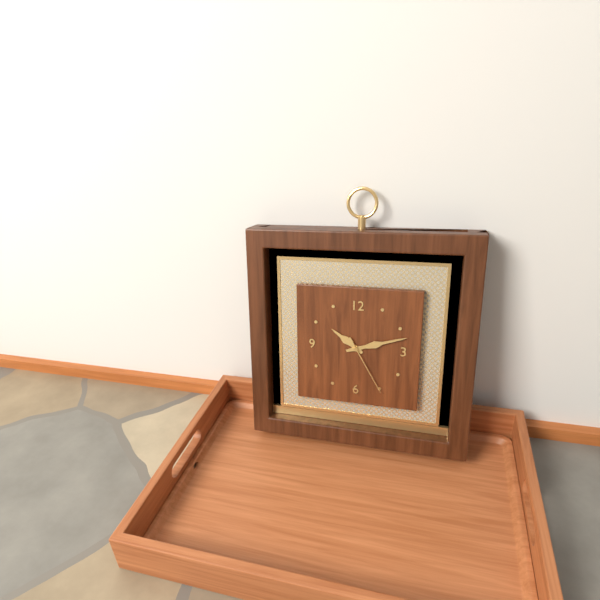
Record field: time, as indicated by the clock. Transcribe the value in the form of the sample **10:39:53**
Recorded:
**10:12:25**
